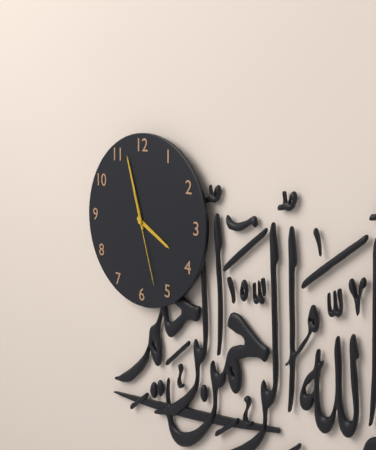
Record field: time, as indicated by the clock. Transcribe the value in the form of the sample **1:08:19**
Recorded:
**3:57:27**
